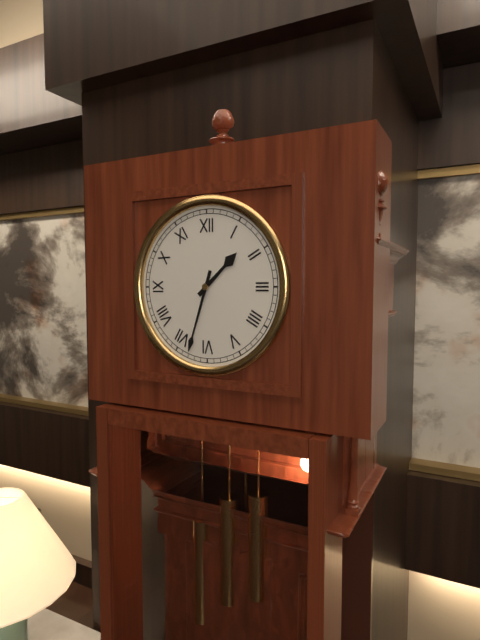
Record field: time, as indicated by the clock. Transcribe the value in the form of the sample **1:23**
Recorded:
**1:33**
